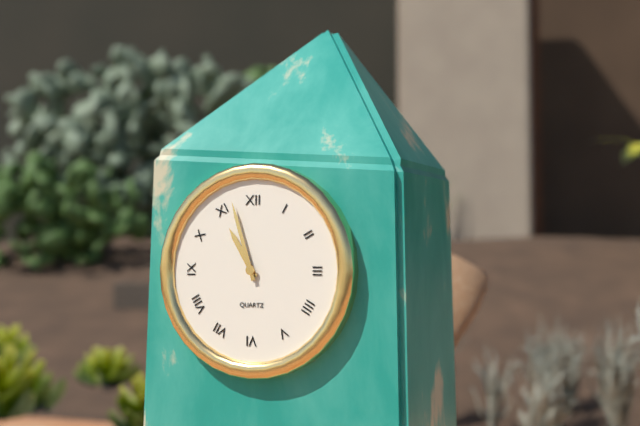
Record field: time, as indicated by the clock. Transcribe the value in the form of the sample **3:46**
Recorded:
**10:57**
